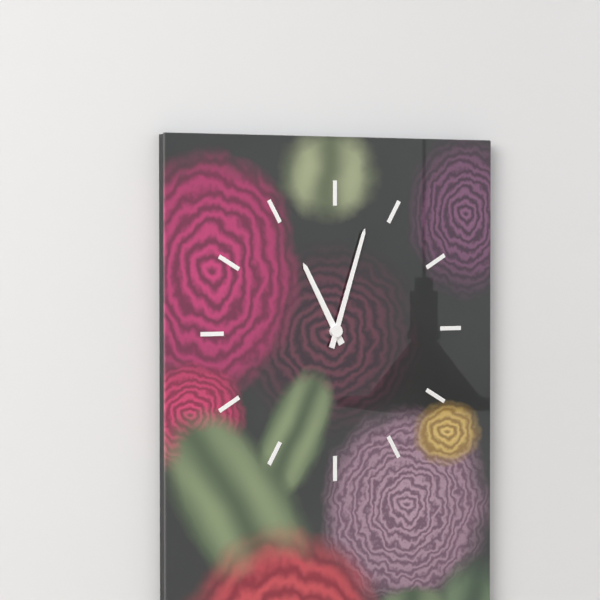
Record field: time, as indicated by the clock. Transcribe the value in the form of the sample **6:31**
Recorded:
**11:03**
